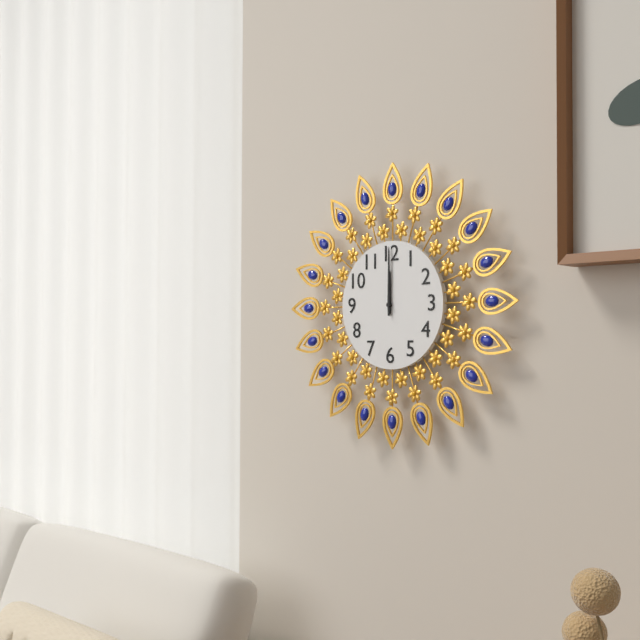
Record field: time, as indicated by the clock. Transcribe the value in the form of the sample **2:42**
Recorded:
**12:00**
